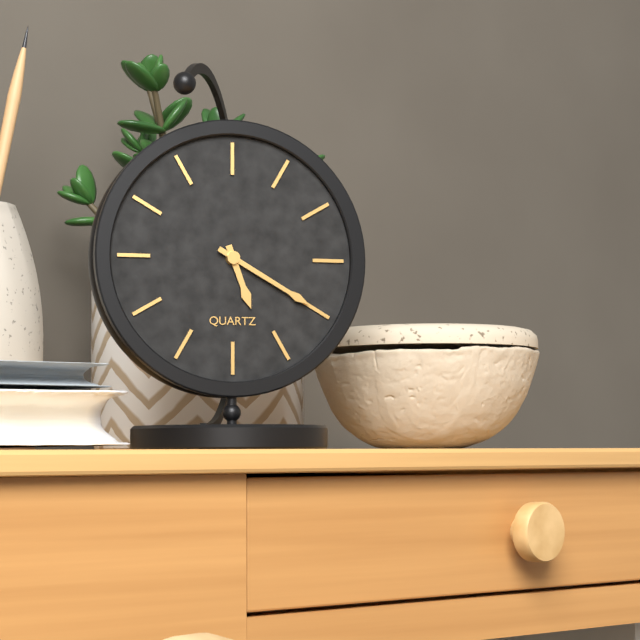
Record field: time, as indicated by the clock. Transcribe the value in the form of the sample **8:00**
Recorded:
**5:20**
